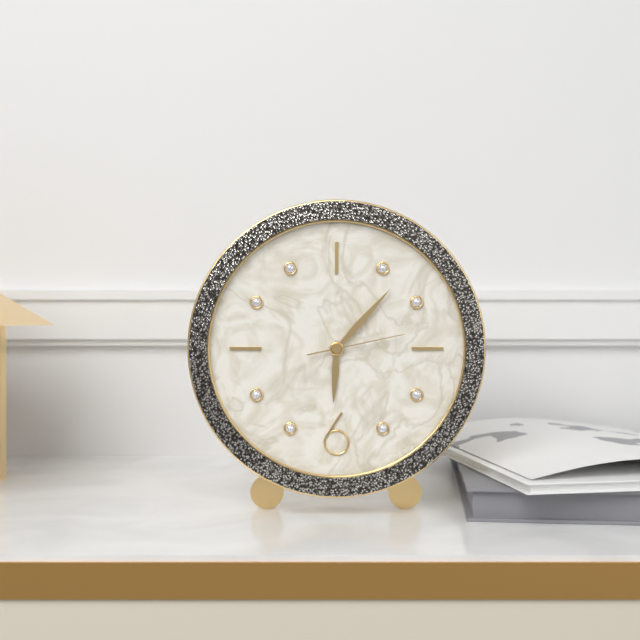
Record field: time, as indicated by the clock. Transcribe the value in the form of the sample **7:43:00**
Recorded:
**6:07:13**
